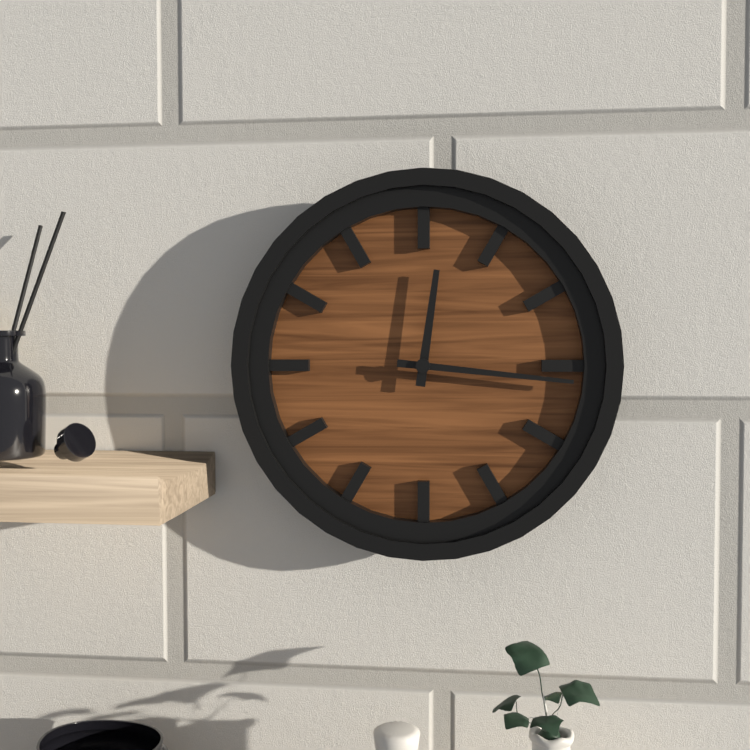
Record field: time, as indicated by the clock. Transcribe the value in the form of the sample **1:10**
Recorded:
**12:16**
